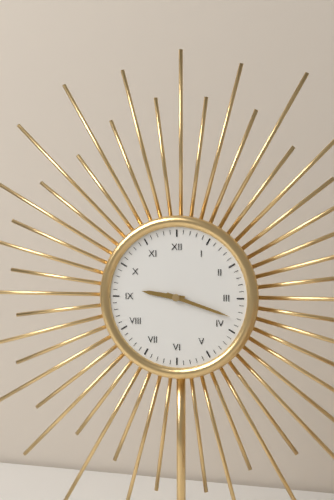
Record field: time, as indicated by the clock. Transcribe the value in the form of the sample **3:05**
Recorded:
**9:18**
